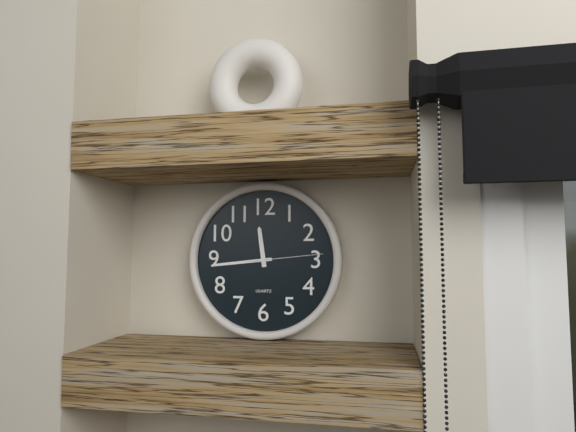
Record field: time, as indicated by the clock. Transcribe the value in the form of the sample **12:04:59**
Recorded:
**11:44:14**
